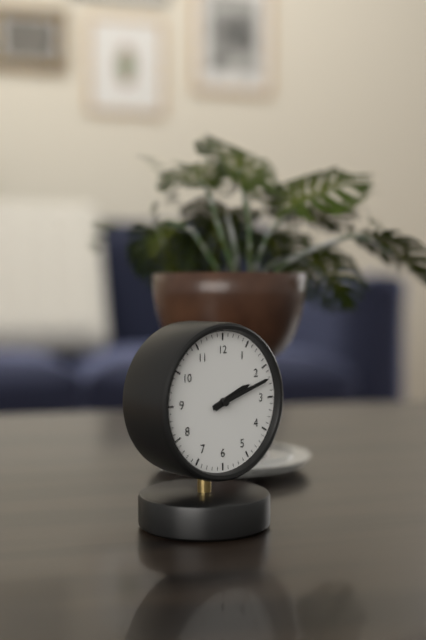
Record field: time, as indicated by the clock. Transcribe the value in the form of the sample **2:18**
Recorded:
**2:12**
